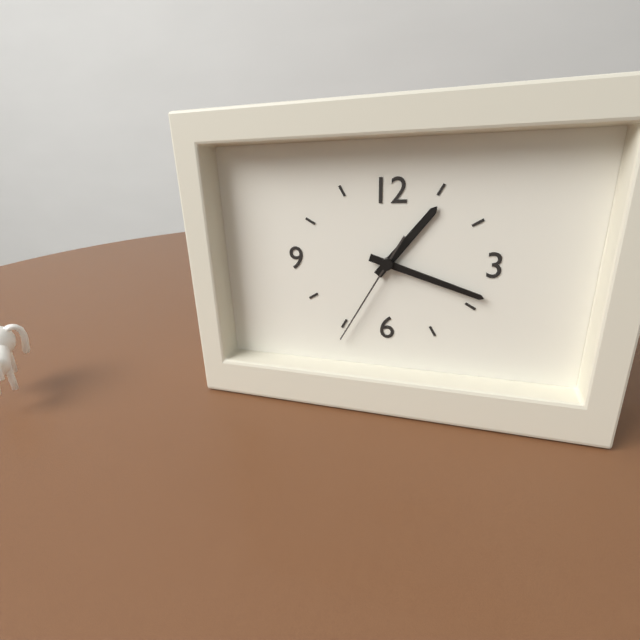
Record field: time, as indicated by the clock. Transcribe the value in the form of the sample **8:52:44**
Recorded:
**1:18:35**
